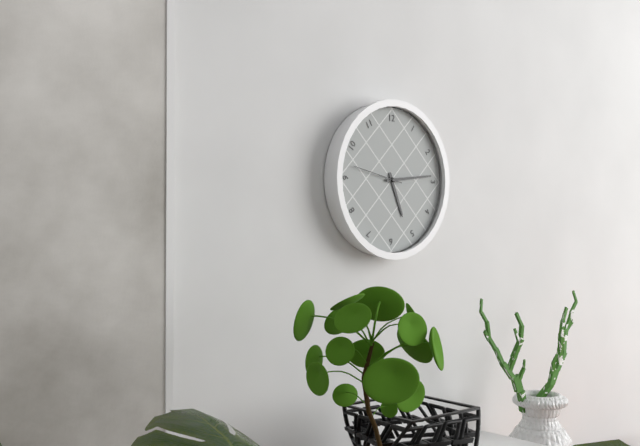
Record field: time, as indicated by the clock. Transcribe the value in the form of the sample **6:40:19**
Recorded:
**5:14:47**
